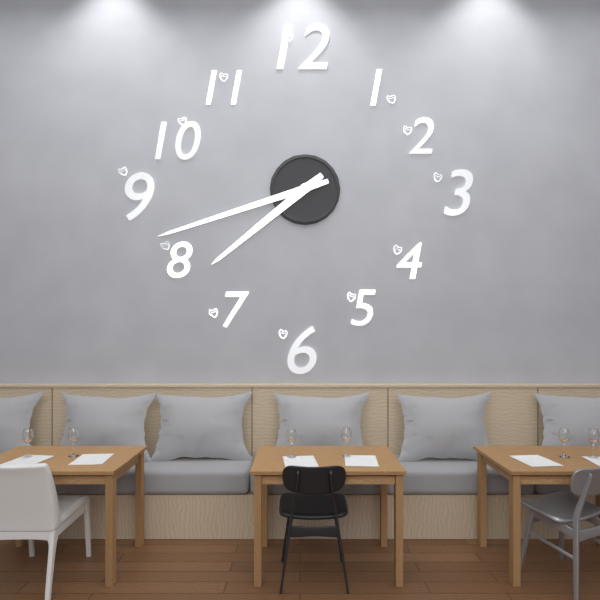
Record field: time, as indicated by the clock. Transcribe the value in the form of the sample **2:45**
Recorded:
**7:42**
